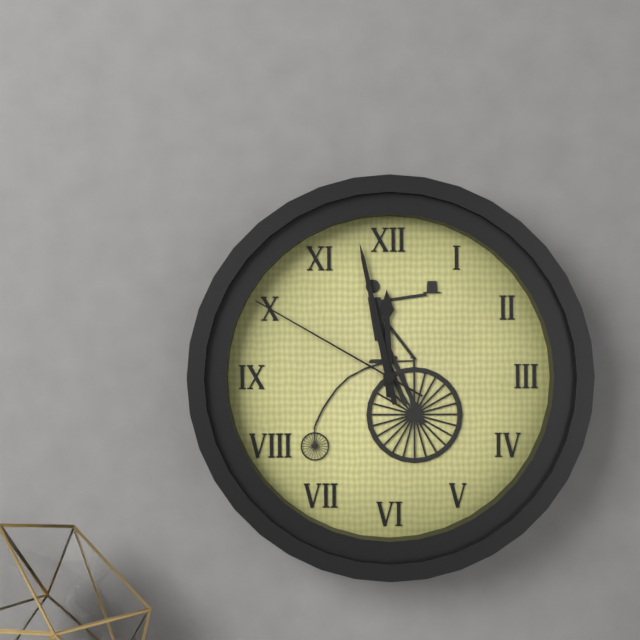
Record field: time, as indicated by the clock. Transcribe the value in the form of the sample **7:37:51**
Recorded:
**11:58:50**
